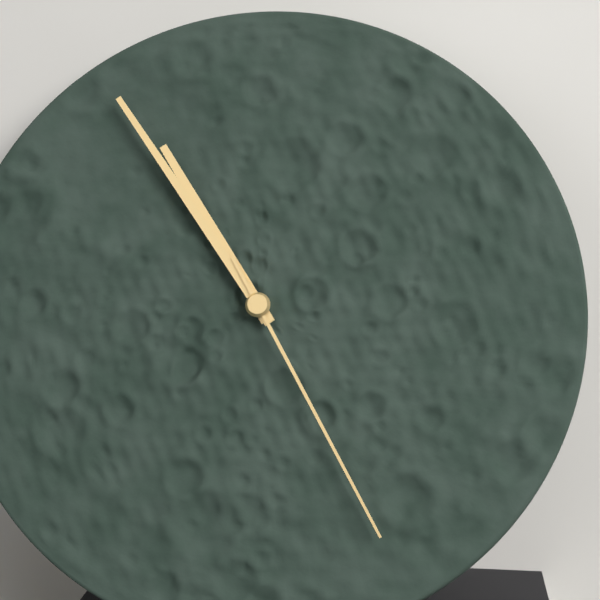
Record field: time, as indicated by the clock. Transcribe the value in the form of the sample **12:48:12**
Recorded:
**10:54:25**
